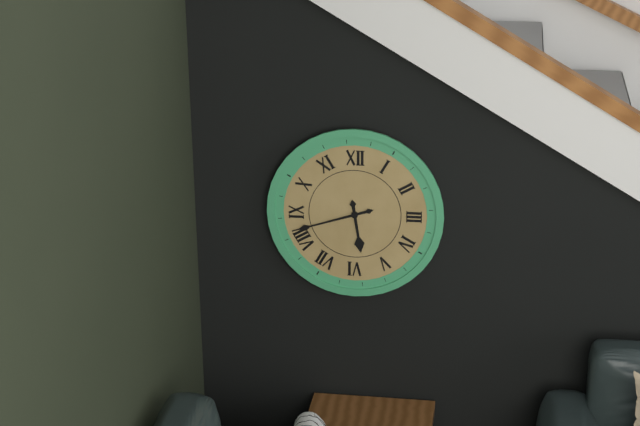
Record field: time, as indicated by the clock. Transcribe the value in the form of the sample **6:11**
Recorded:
**5:42**
